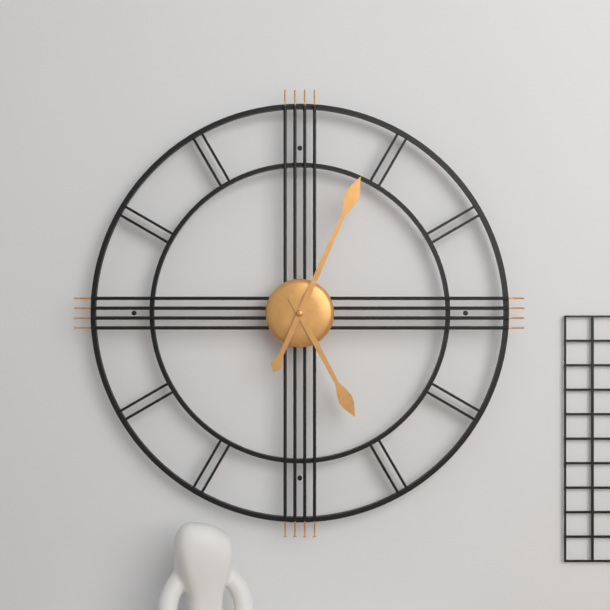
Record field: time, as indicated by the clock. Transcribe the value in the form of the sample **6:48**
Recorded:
**5:04**
